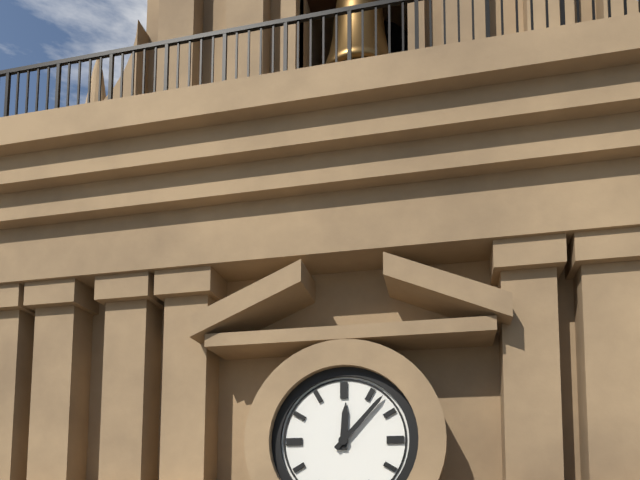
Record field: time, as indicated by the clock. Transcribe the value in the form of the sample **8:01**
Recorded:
**12:07**
